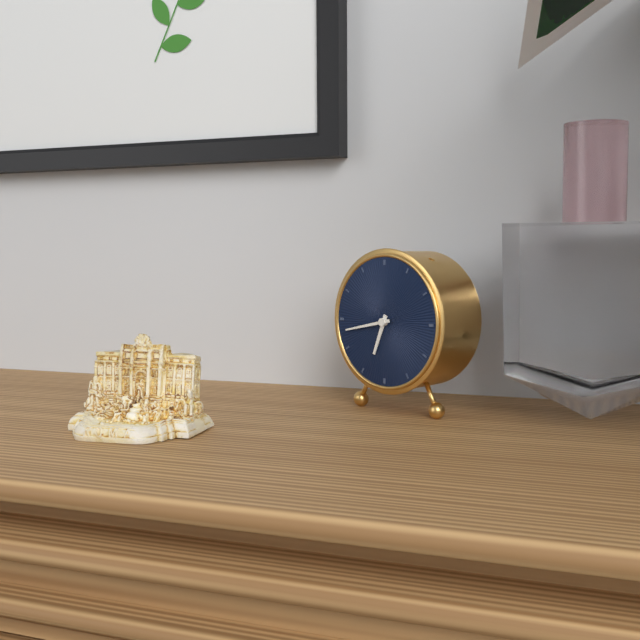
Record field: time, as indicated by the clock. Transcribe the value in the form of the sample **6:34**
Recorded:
**6:43**
